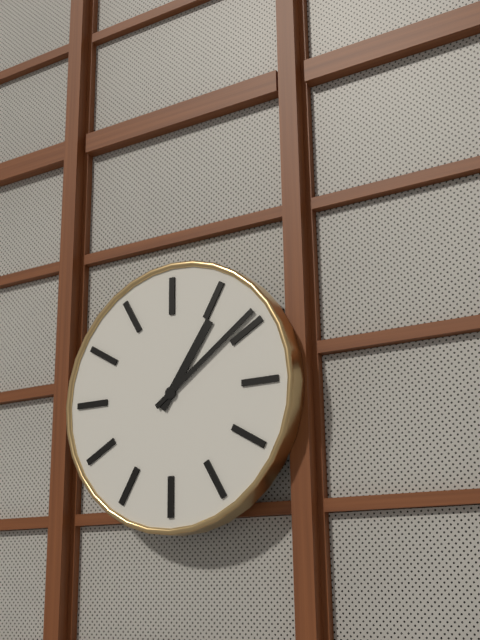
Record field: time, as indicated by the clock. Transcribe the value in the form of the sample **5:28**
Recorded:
**1:09**
